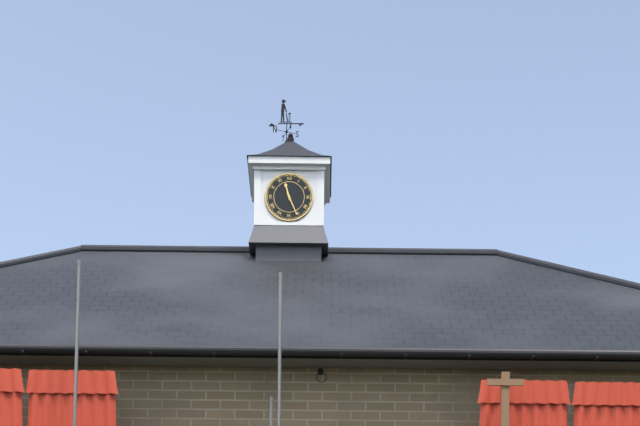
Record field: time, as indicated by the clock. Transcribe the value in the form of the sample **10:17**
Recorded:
**11:26**
